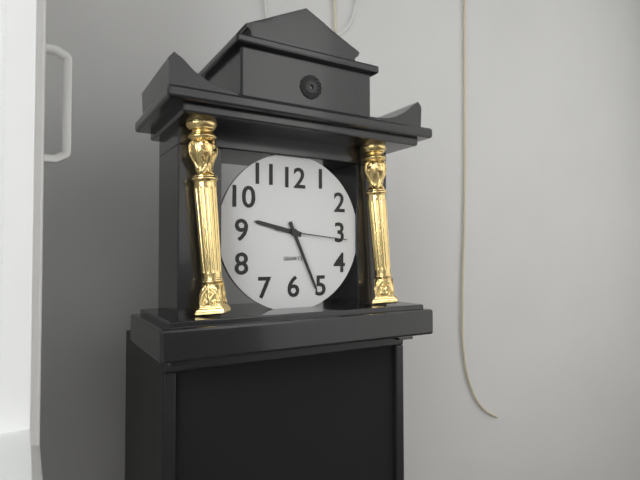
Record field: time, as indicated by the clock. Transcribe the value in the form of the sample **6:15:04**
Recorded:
**9:26:16**
